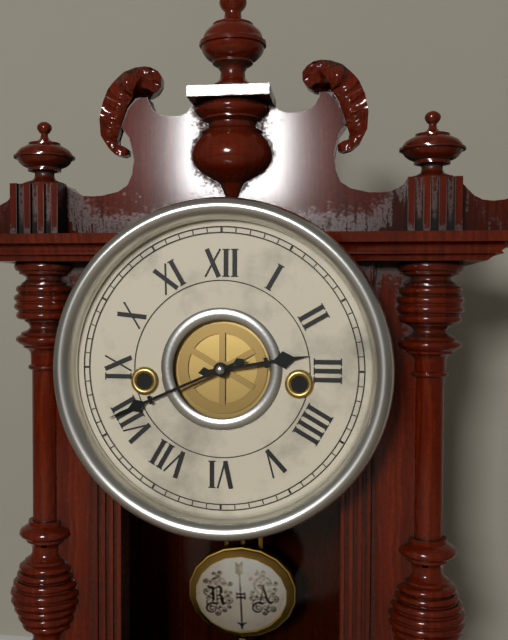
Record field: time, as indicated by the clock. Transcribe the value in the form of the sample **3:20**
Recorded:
**2:41**
